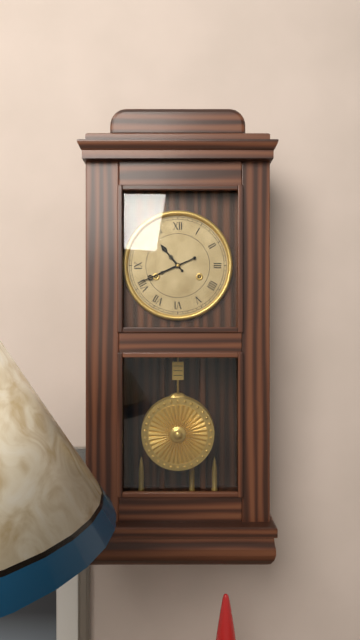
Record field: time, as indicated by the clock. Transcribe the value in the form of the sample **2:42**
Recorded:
**10:41**
